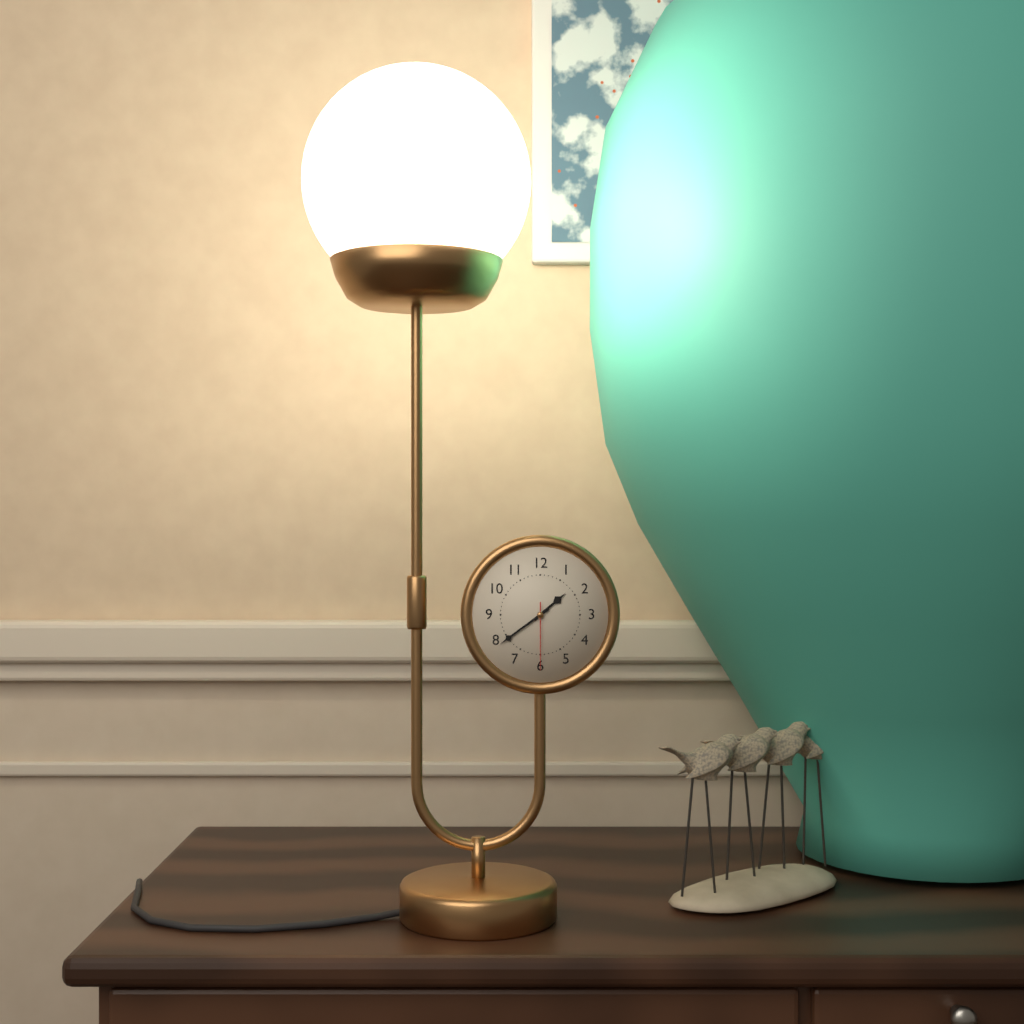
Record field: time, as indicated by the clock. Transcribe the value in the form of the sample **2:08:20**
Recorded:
**1:39:30**
